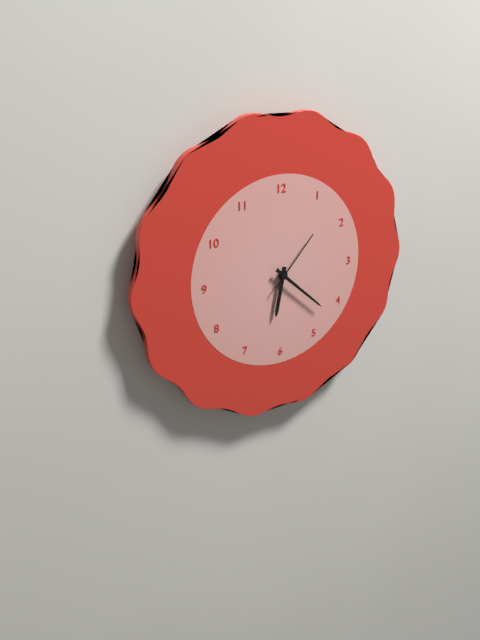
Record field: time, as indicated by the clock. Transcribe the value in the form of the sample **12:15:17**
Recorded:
**6:22:07**
